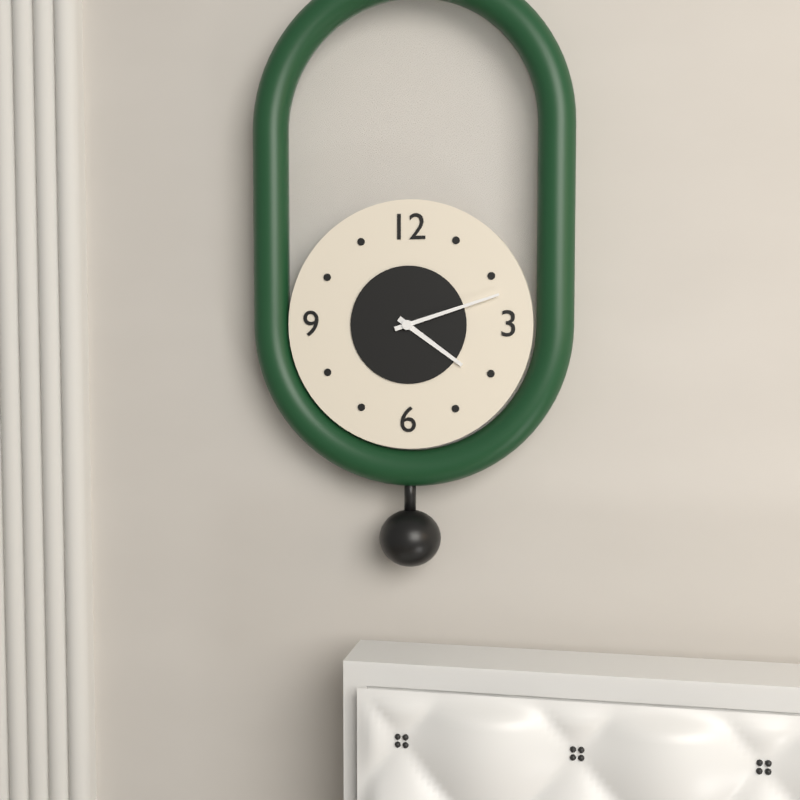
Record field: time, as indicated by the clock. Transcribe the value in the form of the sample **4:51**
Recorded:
**4:12**
